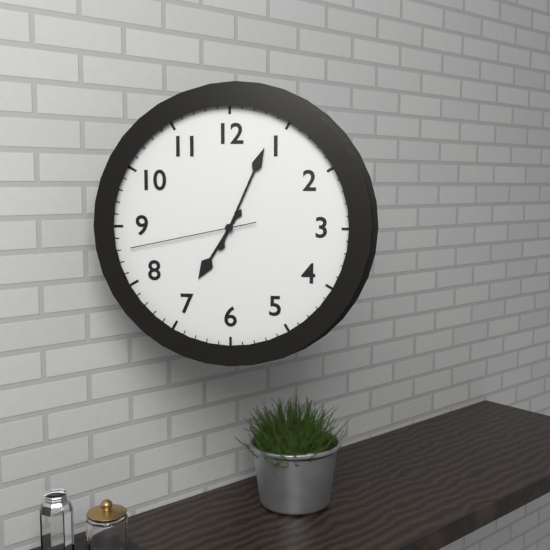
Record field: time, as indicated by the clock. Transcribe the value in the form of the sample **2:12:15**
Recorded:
**7:04:43**
